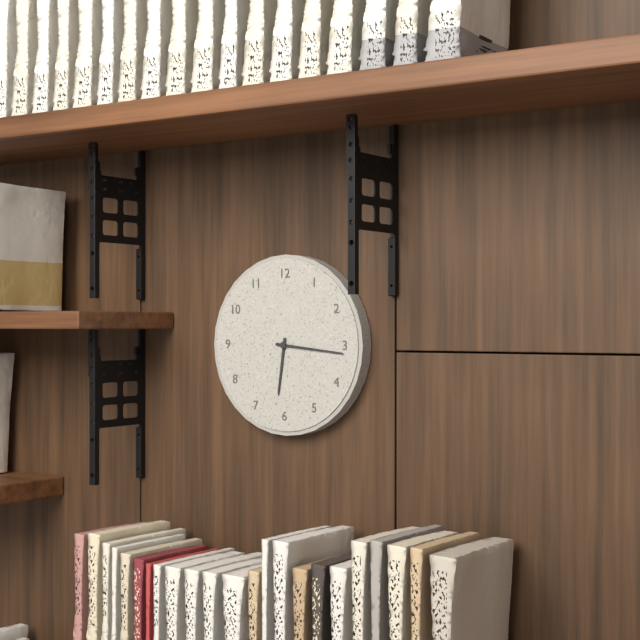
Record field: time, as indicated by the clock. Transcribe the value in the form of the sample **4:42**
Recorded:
**6:16**
